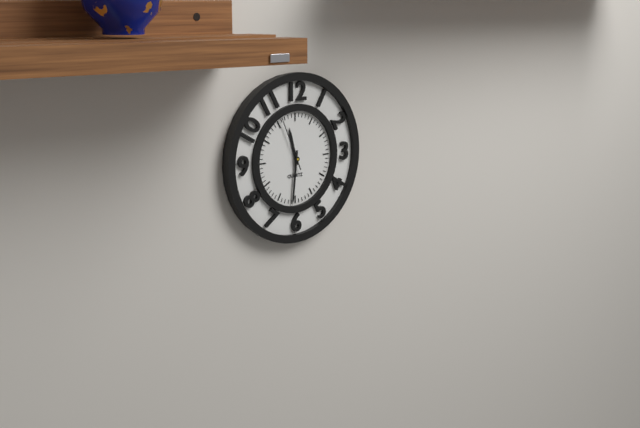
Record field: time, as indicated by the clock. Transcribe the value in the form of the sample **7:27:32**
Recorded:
**11:31:56**
